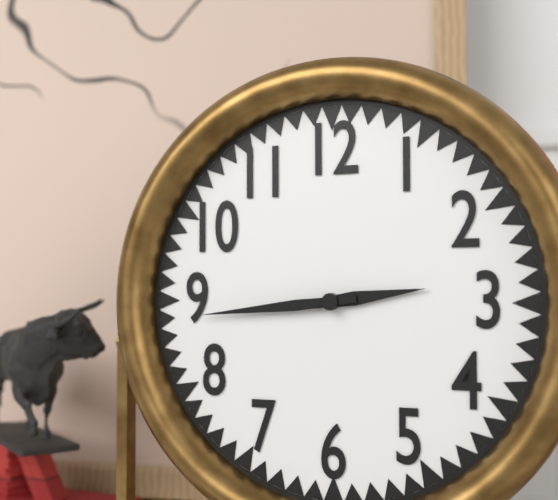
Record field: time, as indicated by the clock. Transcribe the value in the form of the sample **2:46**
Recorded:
**2:44**
